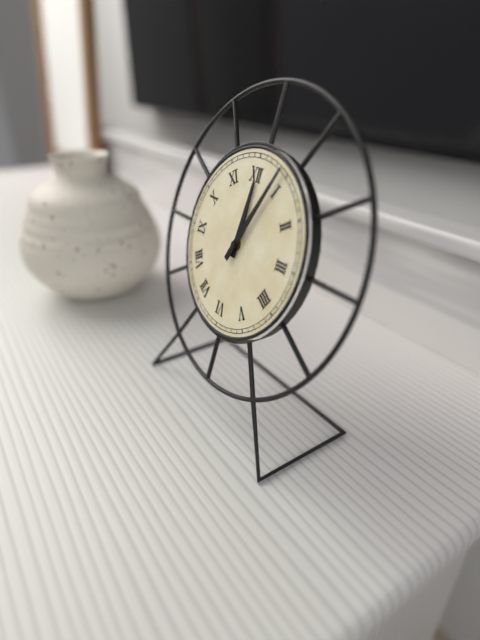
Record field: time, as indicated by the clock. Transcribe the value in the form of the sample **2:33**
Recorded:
**12:04**
